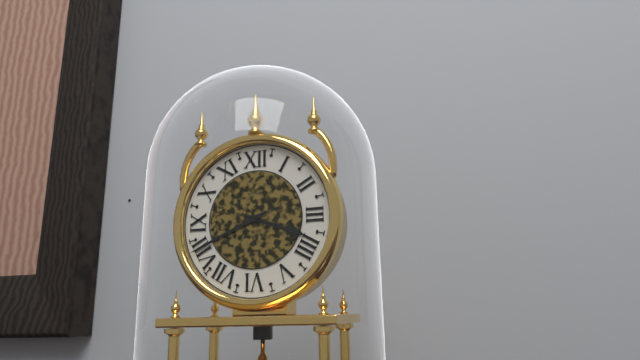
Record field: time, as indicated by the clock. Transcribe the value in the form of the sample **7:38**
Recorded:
**3:41**
